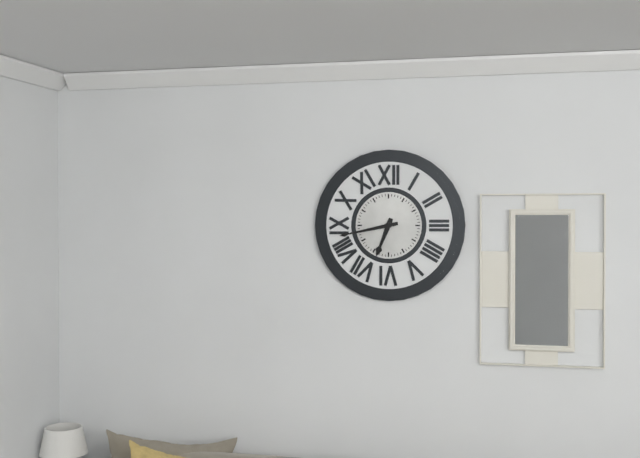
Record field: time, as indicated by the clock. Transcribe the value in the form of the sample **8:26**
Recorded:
**6:43**
